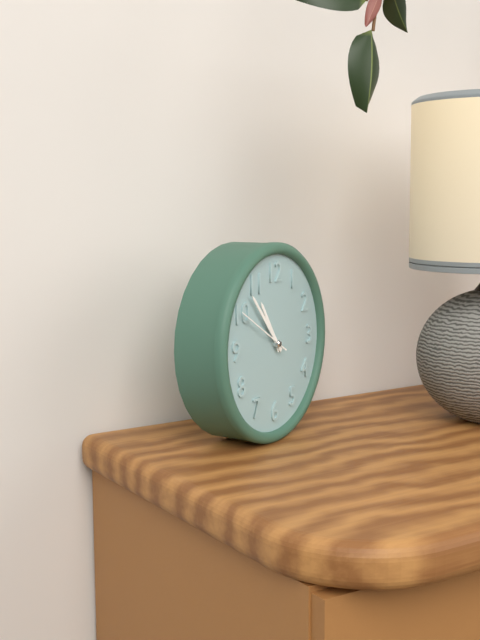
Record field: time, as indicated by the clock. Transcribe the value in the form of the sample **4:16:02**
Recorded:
**10:53:50**
